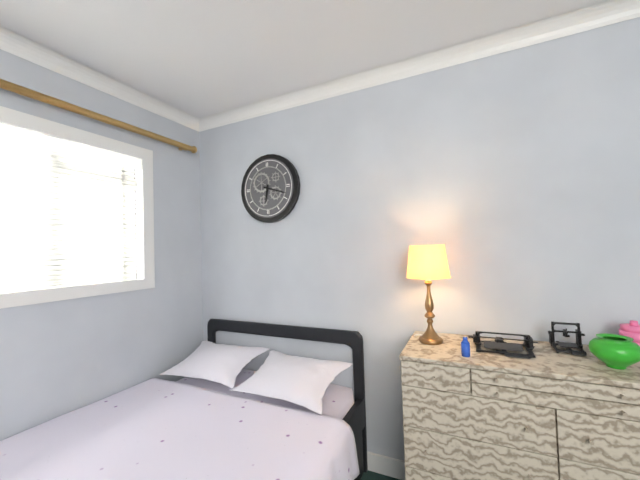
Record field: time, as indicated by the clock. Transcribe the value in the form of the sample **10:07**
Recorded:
**6:18**
